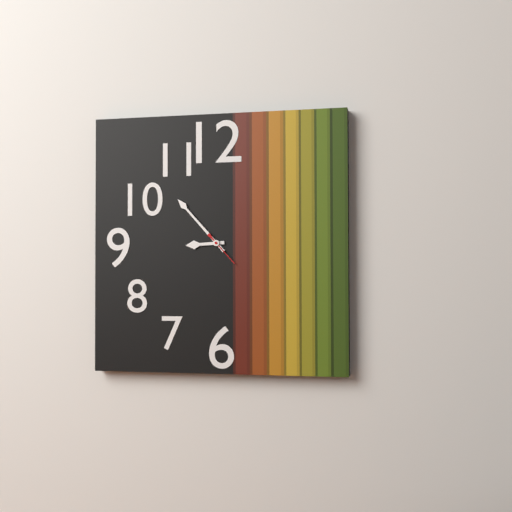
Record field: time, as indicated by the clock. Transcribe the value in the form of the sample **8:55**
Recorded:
**8:53**
